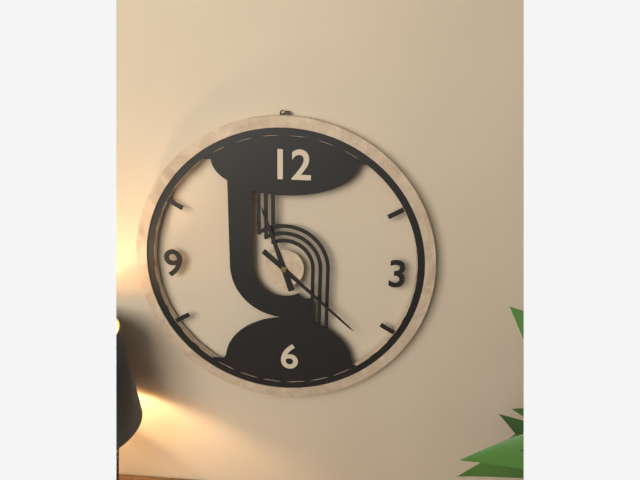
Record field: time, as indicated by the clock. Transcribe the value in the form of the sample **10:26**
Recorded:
**11:22**
